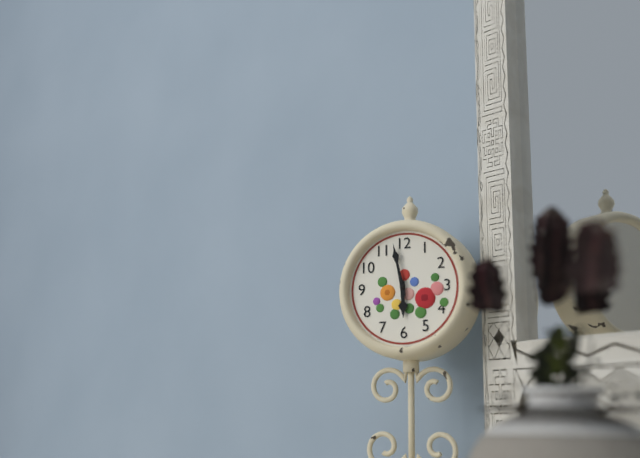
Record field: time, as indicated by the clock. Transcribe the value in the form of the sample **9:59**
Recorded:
**5:58**
